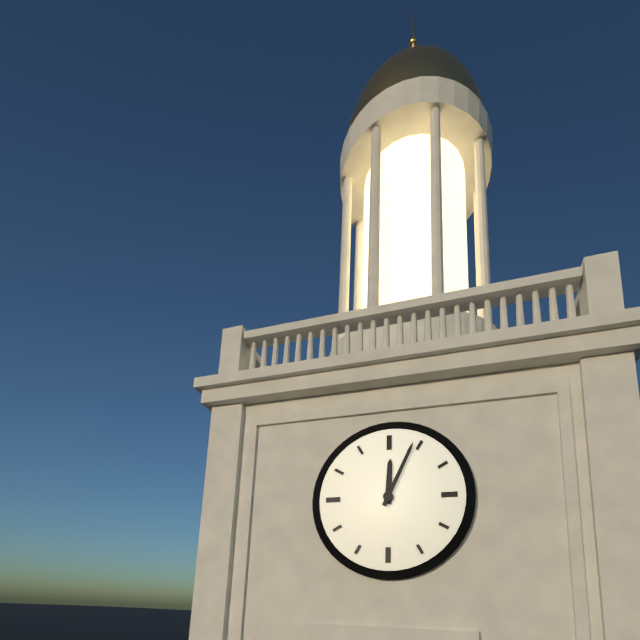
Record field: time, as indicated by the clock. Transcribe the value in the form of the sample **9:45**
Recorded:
**12:04**
